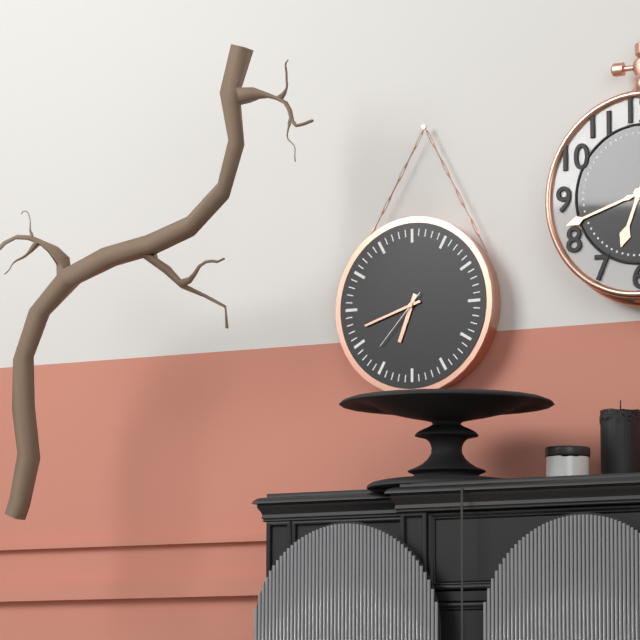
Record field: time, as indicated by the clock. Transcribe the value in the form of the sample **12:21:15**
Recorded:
**6:42:37**
